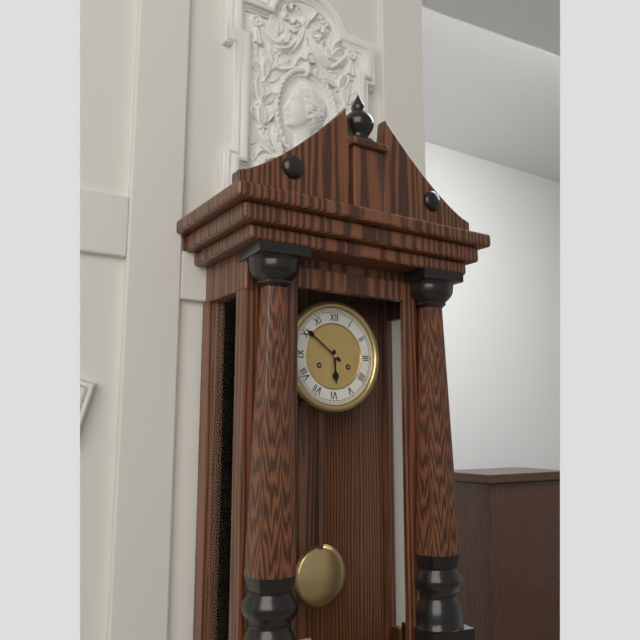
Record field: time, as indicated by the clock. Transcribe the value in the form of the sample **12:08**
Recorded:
**5:51**
